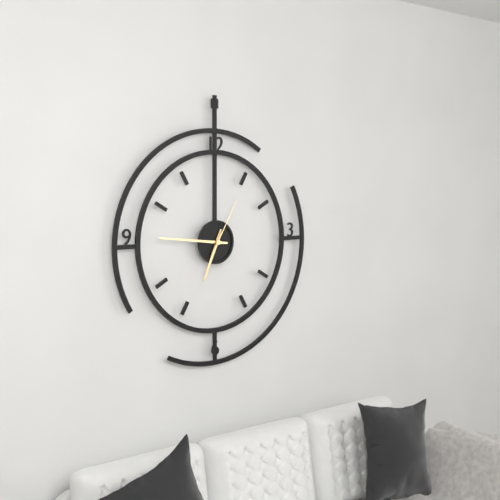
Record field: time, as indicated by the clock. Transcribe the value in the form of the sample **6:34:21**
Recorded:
**6:46:05**
